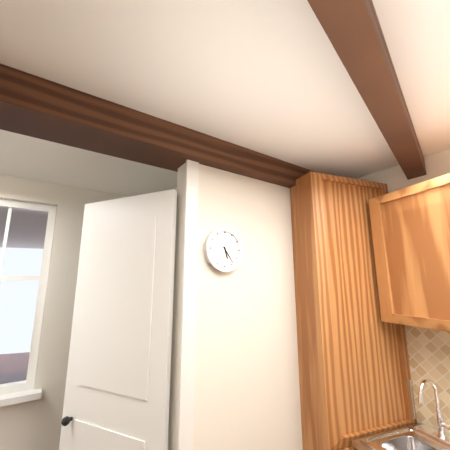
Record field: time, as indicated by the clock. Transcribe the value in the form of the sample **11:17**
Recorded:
**5:24**
